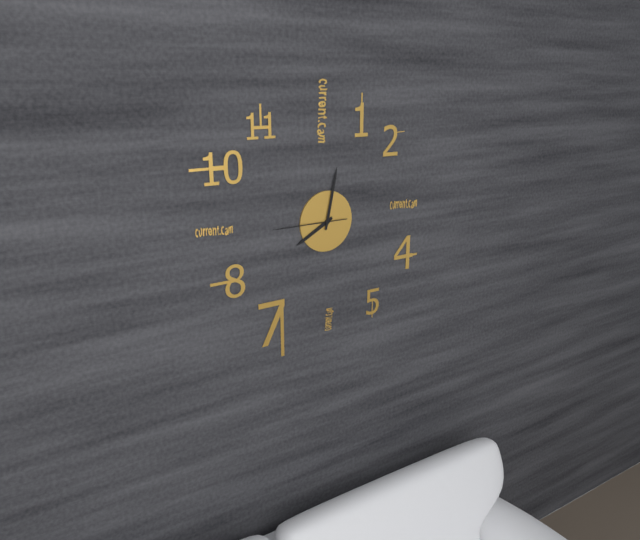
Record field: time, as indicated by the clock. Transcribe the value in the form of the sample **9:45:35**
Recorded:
**8:02:45**
